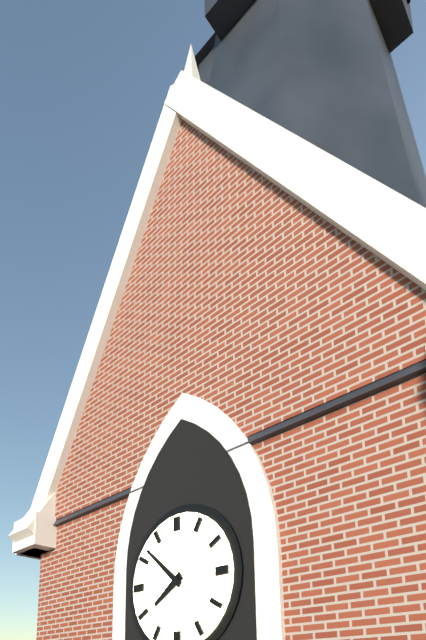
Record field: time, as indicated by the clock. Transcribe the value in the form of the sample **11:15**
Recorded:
**7:52**
